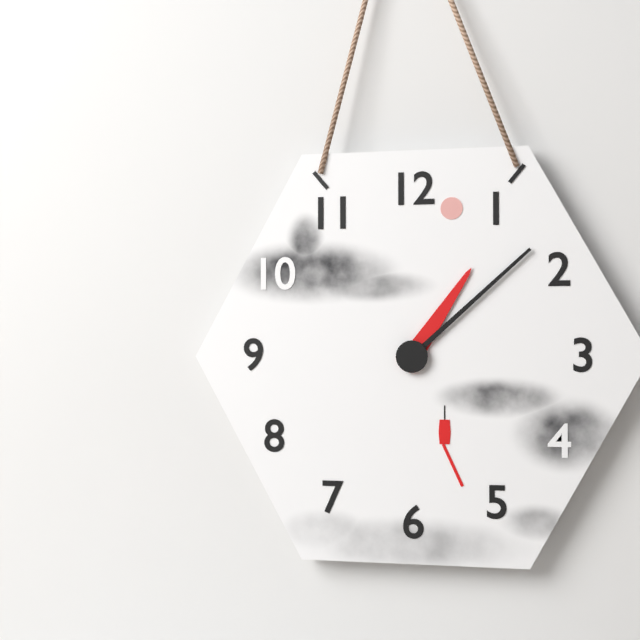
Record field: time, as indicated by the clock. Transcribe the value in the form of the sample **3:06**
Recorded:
**1:08**
